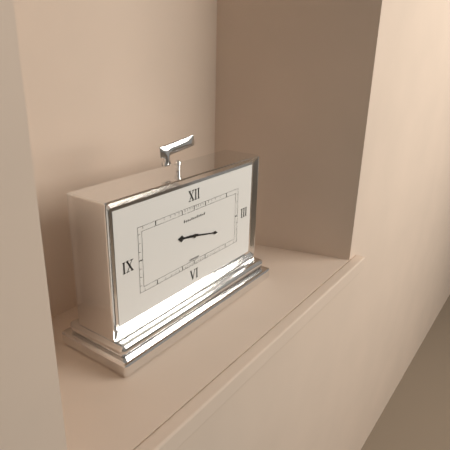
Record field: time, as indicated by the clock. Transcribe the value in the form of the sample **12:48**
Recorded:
**9:17**
